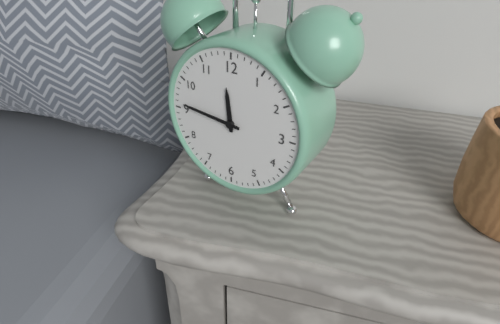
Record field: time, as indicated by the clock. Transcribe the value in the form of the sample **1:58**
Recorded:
**11:46**
